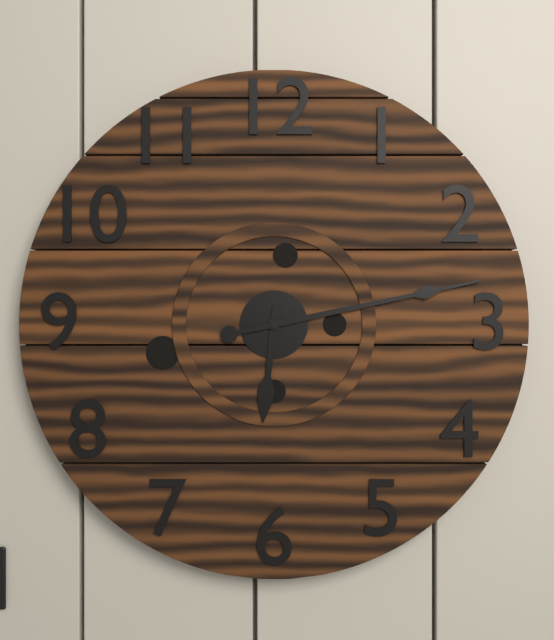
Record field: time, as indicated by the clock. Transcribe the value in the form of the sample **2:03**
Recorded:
**6:13**
